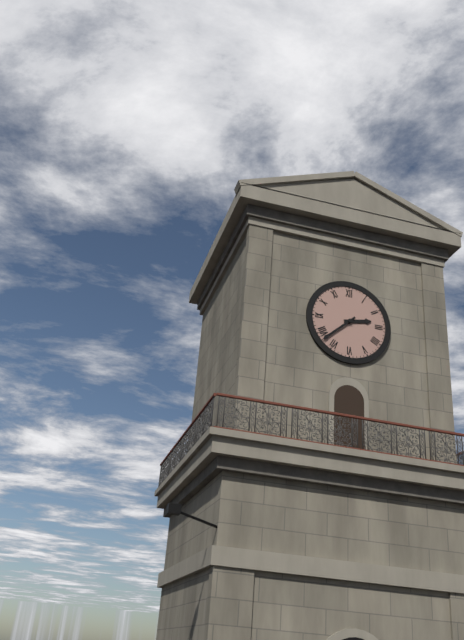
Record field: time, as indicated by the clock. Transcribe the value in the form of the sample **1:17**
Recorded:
**2:38**
